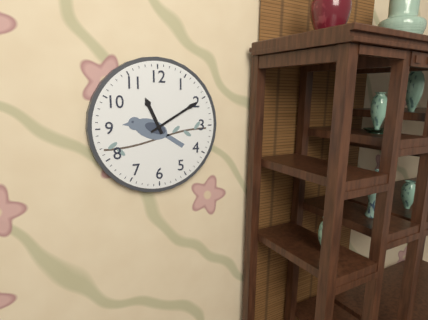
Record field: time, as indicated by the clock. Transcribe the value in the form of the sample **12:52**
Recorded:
**11:10**
